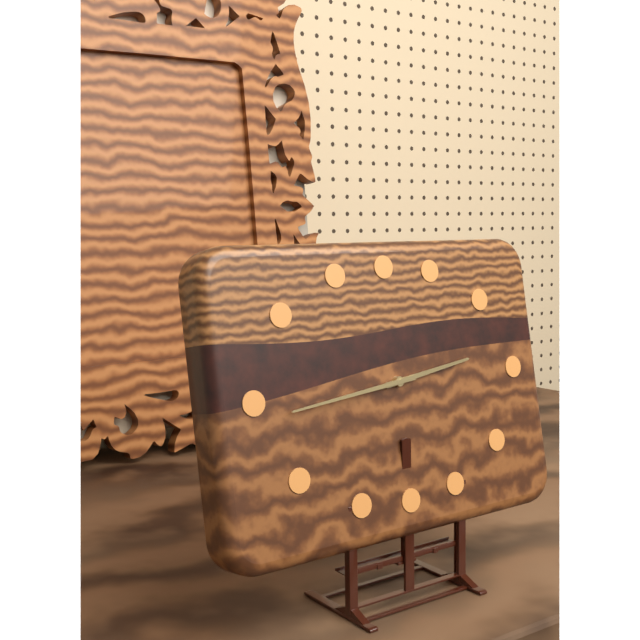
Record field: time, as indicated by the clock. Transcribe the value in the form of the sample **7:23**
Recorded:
**2:44**
